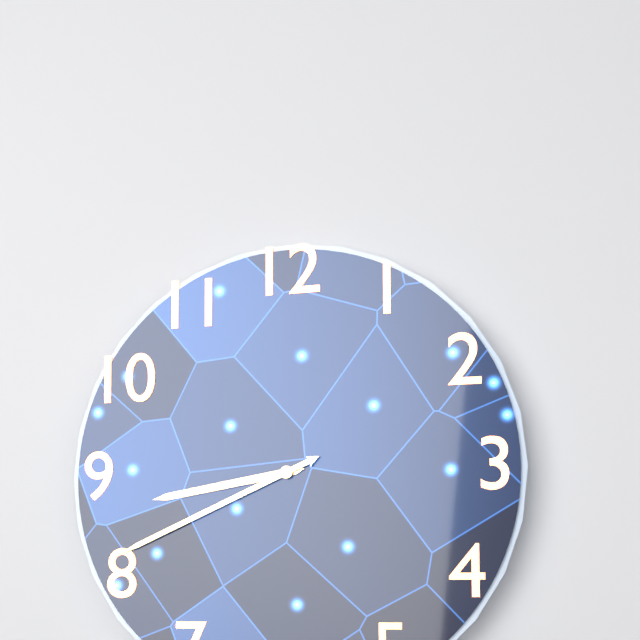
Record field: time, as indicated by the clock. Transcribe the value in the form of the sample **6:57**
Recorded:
**8:41**
